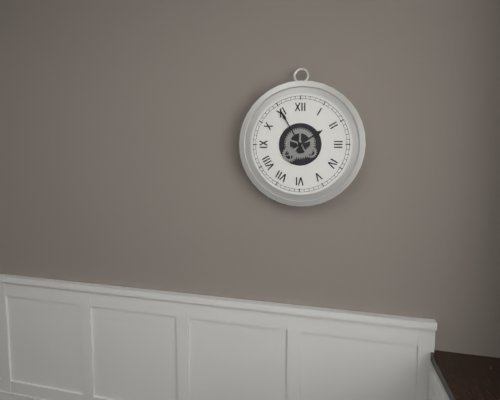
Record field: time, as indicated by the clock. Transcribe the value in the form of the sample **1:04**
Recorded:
**1:55**
